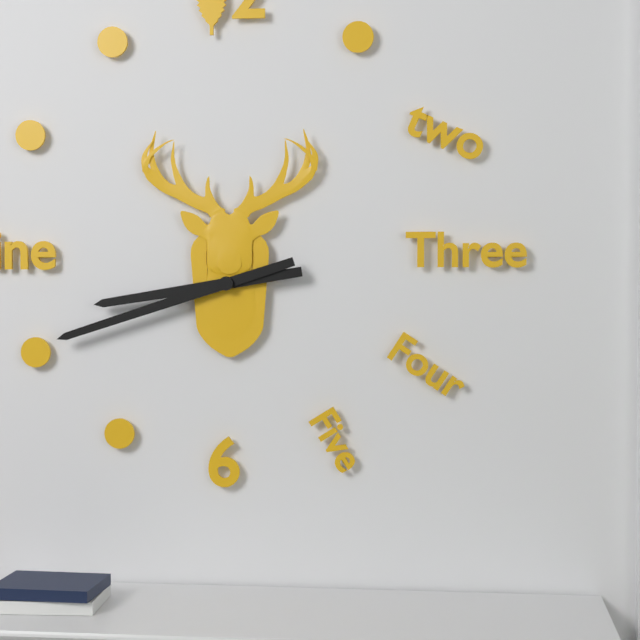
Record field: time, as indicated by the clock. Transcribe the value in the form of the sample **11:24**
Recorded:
**8:42**
